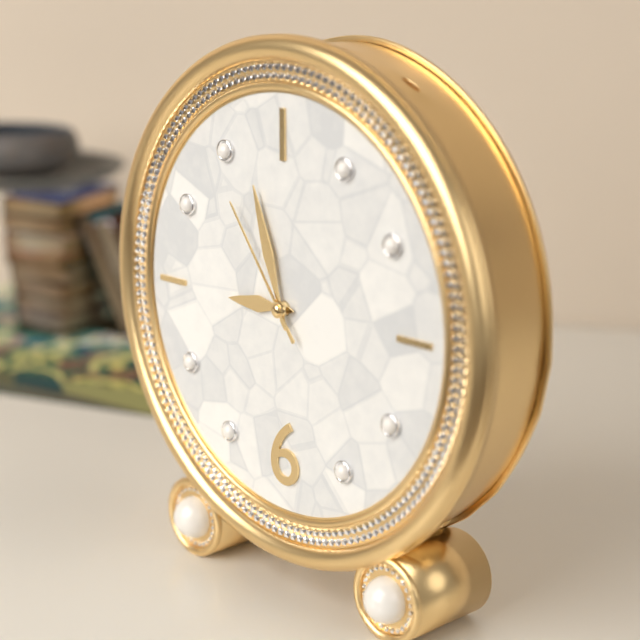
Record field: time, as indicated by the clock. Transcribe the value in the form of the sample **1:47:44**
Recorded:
**8:57:54**
